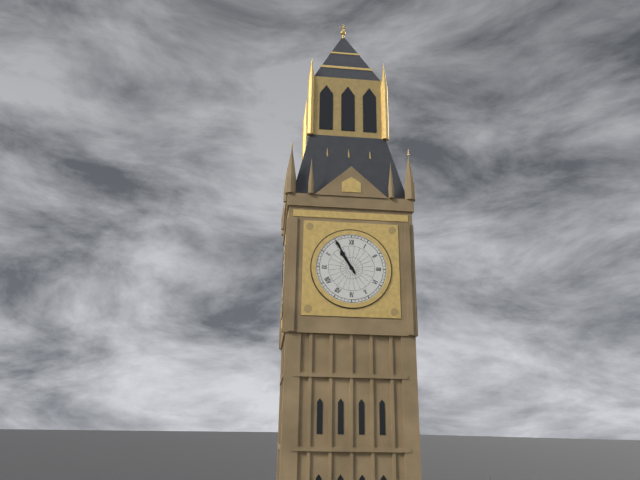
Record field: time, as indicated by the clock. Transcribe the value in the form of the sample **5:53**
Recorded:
**10:55**
